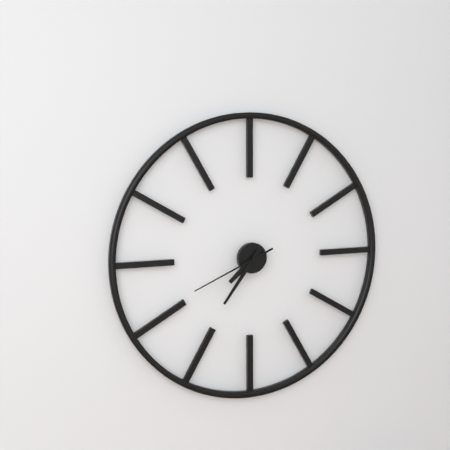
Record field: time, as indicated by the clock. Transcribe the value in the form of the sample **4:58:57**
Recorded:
**7:36:41**
